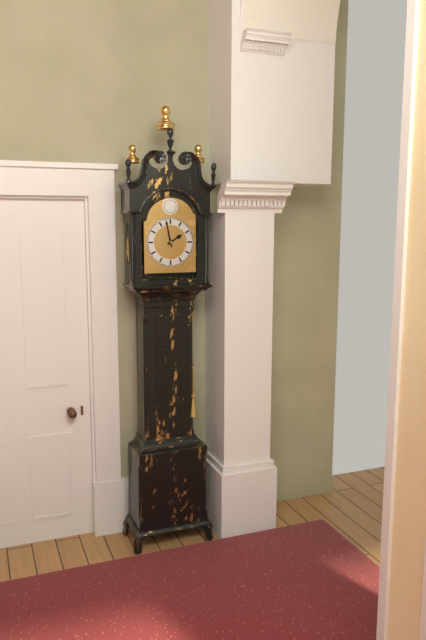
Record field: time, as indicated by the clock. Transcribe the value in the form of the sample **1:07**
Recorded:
**1:58**
